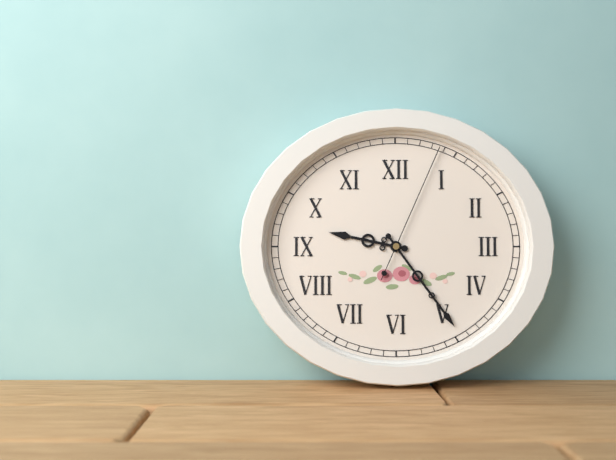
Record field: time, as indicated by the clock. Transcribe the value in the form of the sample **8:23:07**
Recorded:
**9:24:04**
